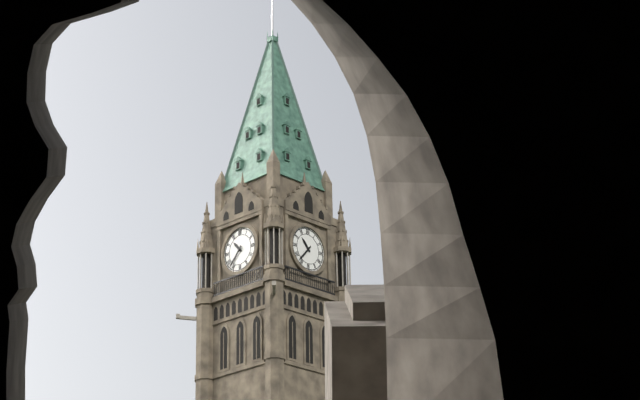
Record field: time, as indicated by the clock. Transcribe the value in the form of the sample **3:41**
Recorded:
**10:37**
